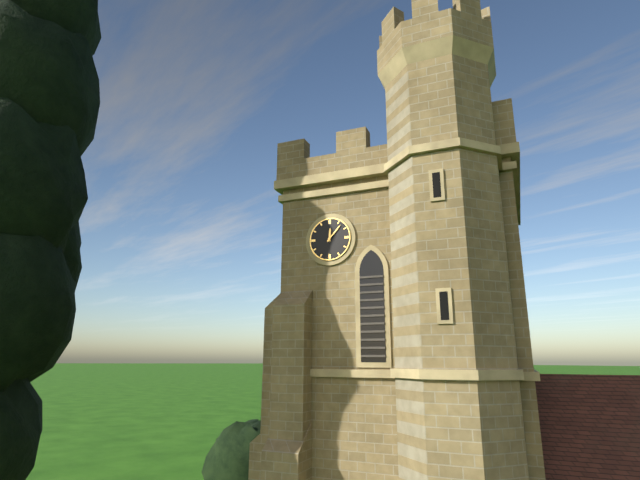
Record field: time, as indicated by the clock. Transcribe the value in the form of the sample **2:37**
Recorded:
**12:07**
